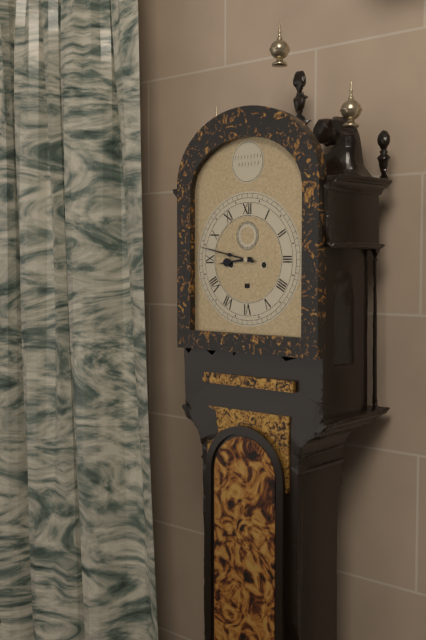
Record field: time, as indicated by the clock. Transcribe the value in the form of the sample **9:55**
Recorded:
**8:47**
